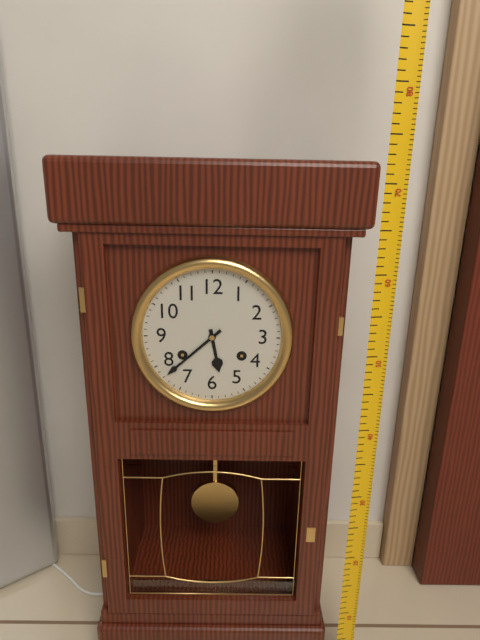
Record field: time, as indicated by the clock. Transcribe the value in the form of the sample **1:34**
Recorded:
**5:38**
